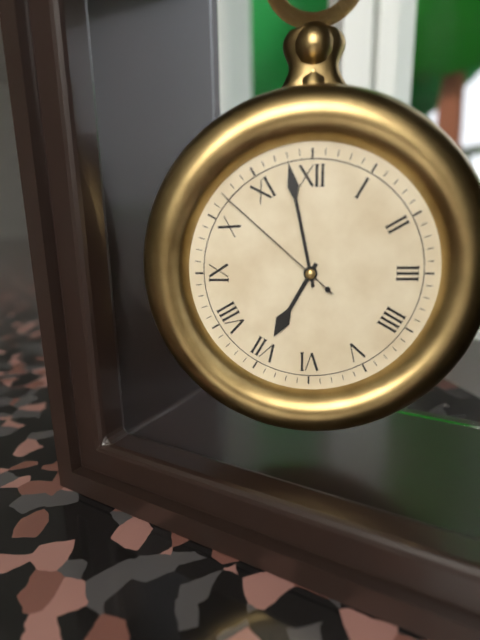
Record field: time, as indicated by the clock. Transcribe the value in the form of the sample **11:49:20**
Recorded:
**6:58:52**
